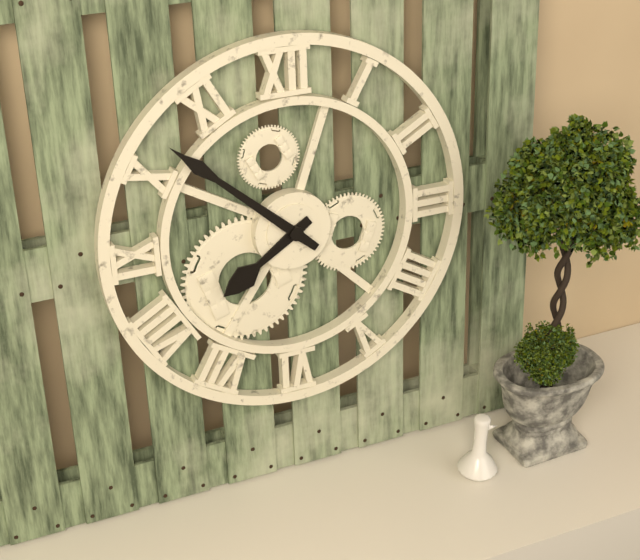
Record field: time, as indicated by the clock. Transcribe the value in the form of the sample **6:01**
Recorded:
**7:52**
